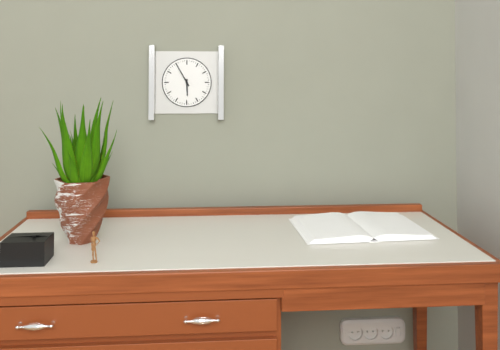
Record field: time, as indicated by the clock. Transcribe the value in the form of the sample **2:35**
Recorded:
**5:55**
